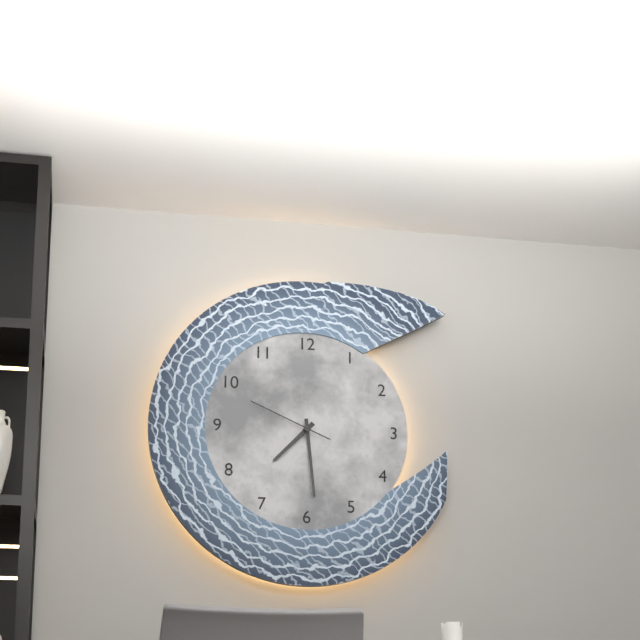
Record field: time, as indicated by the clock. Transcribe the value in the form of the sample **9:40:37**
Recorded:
**7:29:49**
